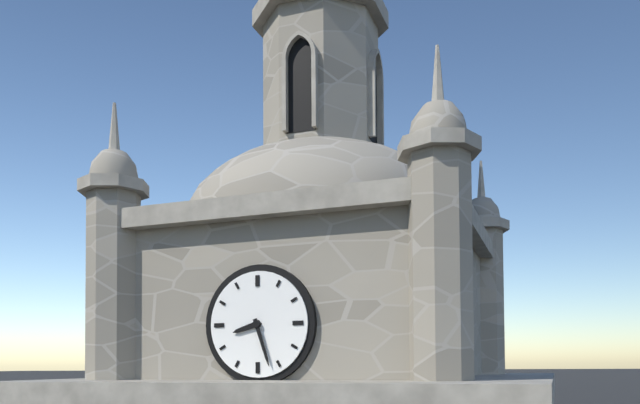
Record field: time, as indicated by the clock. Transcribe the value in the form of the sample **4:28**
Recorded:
**8:27**
